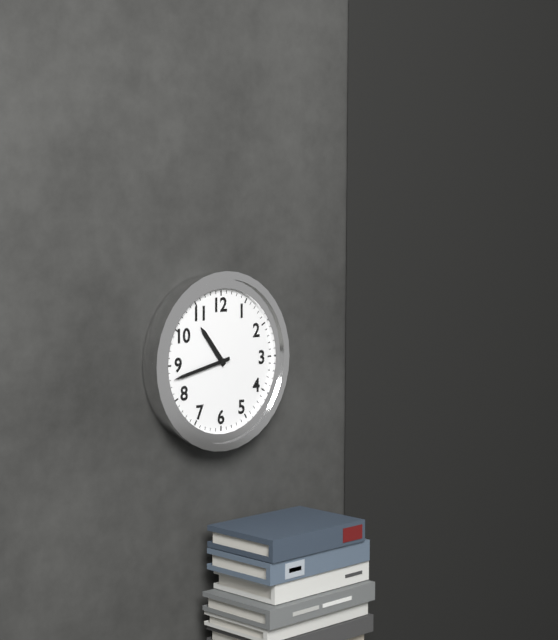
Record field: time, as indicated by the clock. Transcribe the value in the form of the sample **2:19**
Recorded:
**10:43**
